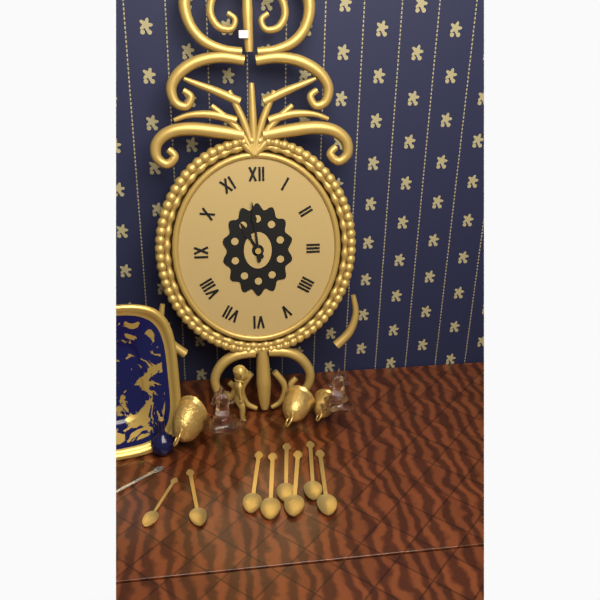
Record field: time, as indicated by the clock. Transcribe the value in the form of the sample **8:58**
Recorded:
**10:59**
